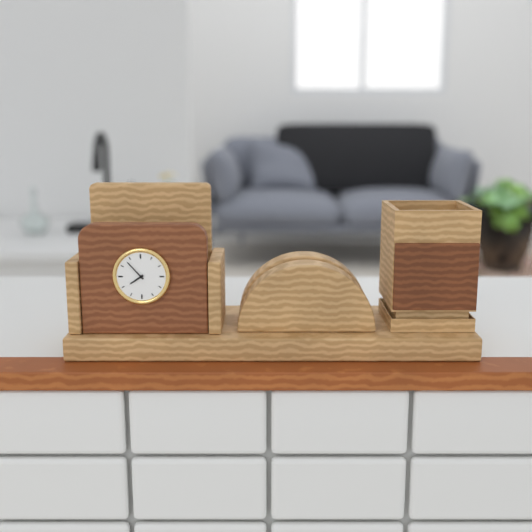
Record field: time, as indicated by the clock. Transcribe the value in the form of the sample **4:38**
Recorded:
**7:53**
